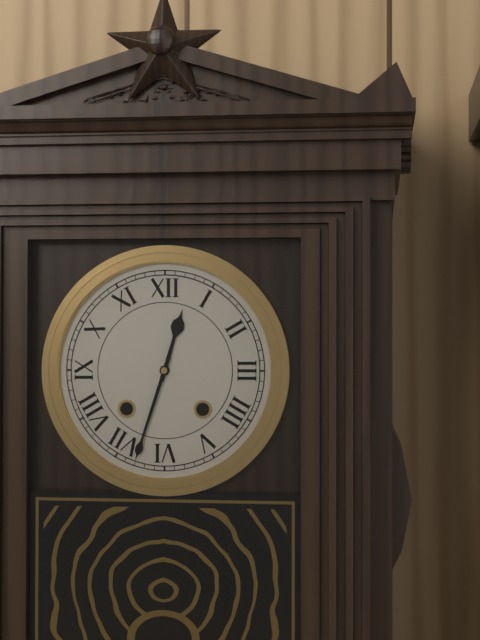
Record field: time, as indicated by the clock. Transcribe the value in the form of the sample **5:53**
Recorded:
**12:33**
